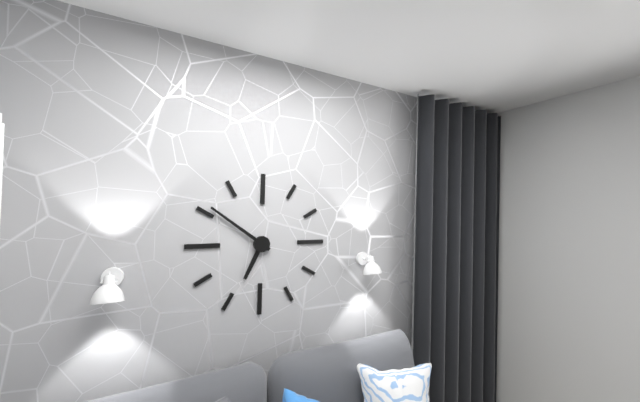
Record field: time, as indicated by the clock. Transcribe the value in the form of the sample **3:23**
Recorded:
**6:51**
